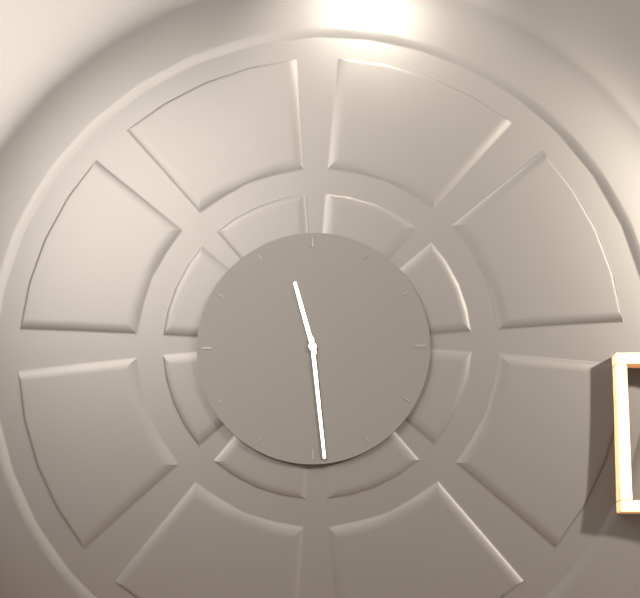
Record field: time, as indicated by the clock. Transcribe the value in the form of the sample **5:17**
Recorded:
**11:29**
